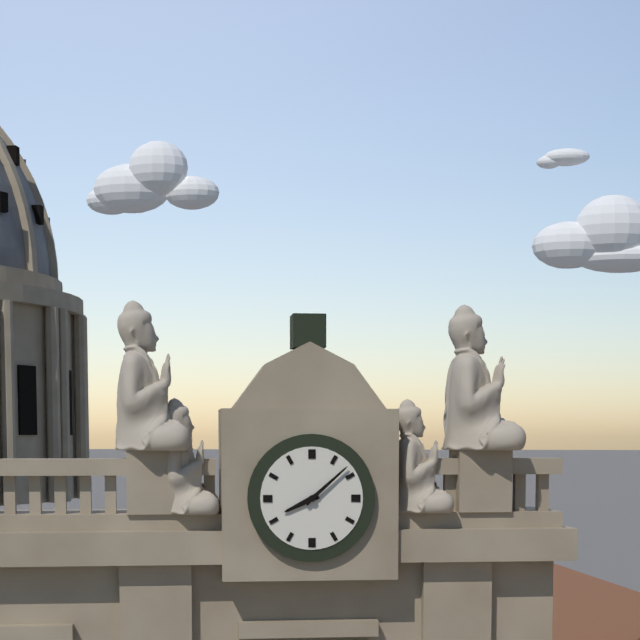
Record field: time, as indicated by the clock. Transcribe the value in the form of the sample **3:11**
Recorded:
**8:08**
